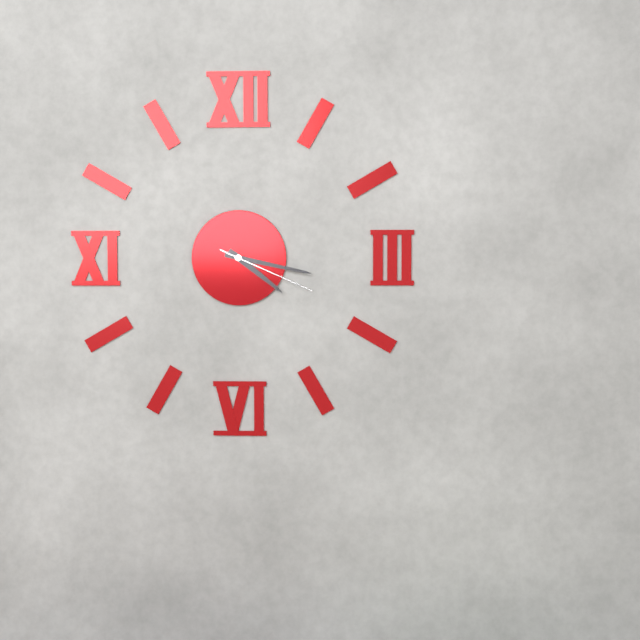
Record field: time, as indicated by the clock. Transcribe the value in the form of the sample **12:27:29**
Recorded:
**4:17:19**
